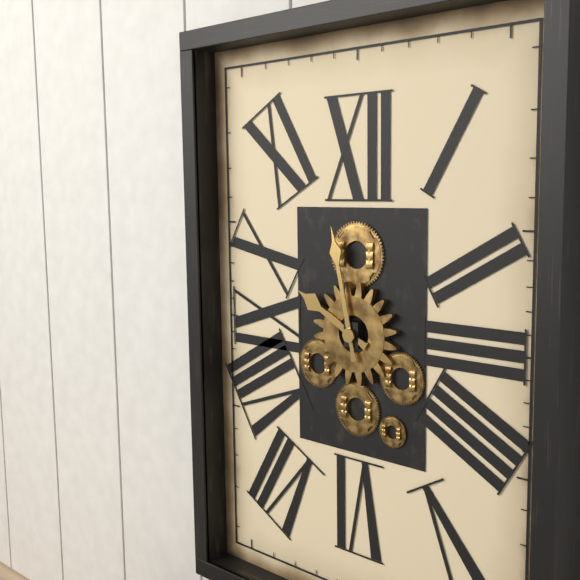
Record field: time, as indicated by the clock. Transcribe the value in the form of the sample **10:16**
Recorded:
**9:58**
